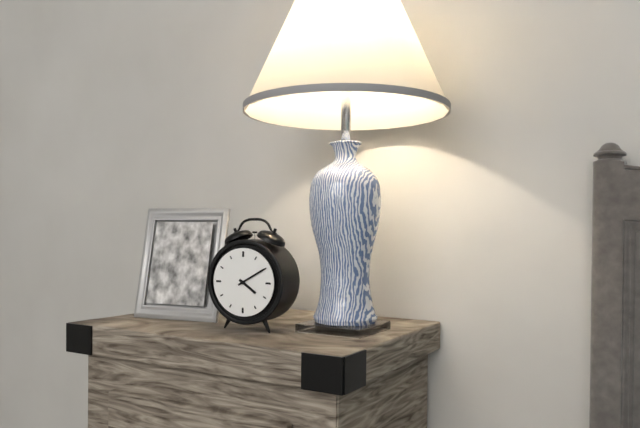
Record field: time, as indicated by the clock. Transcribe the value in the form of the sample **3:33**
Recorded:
**4:10**
